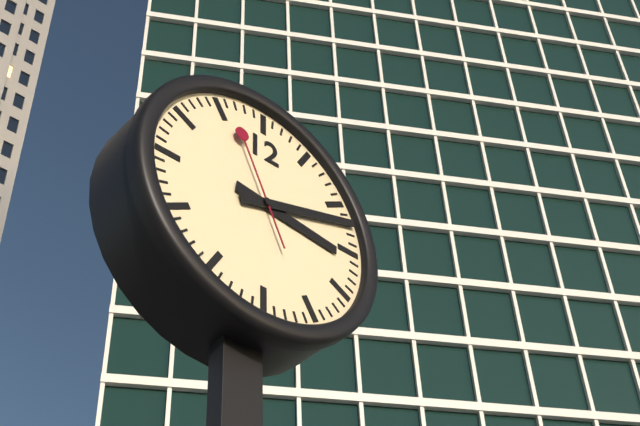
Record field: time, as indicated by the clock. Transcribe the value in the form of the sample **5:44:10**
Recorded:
**3:12:56**
